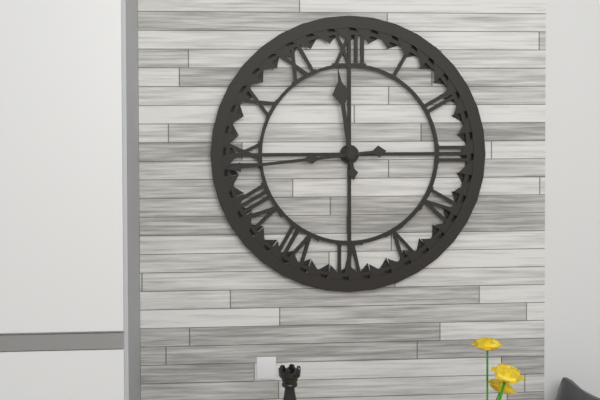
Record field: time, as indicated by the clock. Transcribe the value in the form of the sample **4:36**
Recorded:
**11:44**
